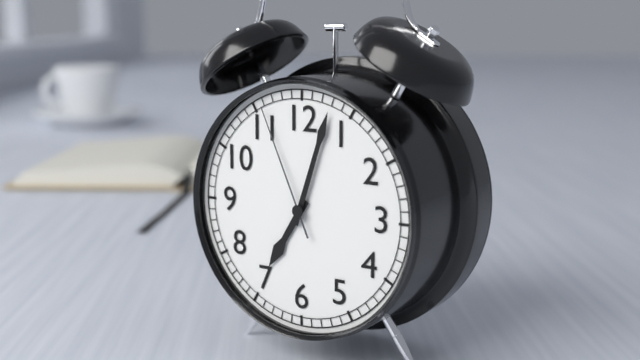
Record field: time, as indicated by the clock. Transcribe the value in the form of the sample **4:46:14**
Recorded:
**7:03:56**
